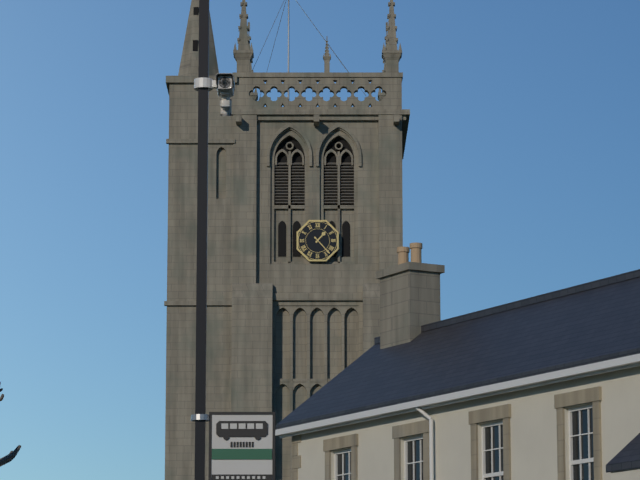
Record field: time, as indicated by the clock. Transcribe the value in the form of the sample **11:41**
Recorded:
**1:23**
